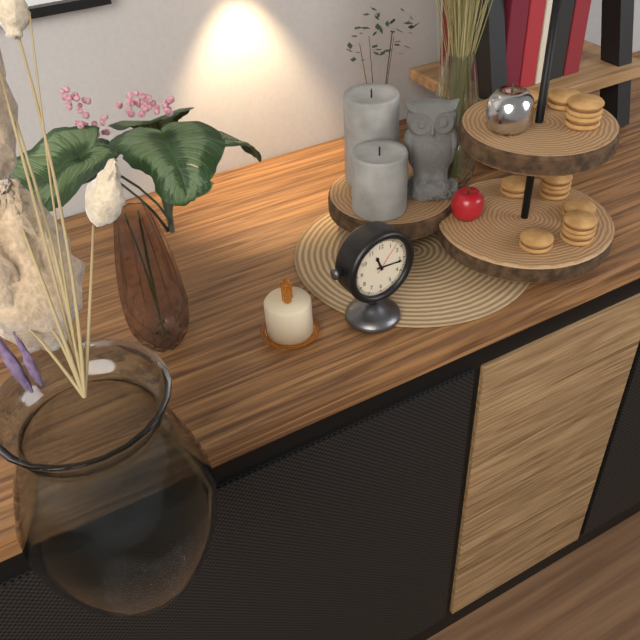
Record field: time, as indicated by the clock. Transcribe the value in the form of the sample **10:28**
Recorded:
**11:16**
